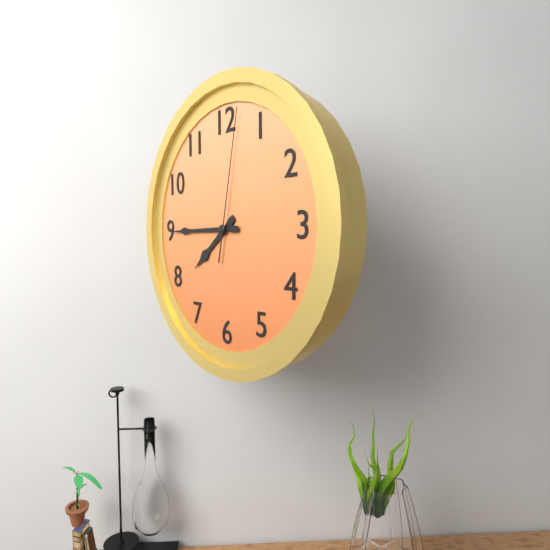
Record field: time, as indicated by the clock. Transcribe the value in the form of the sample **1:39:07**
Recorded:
**7:45:02**
